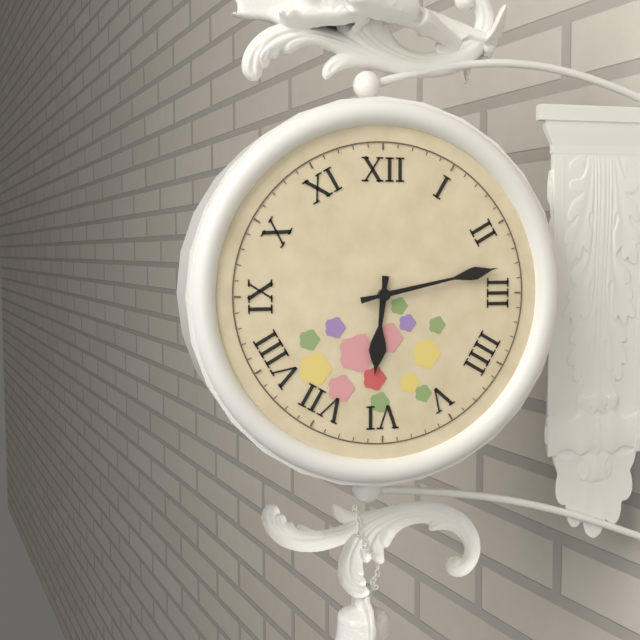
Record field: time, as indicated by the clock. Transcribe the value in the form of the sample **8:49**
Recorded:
**6:13**
